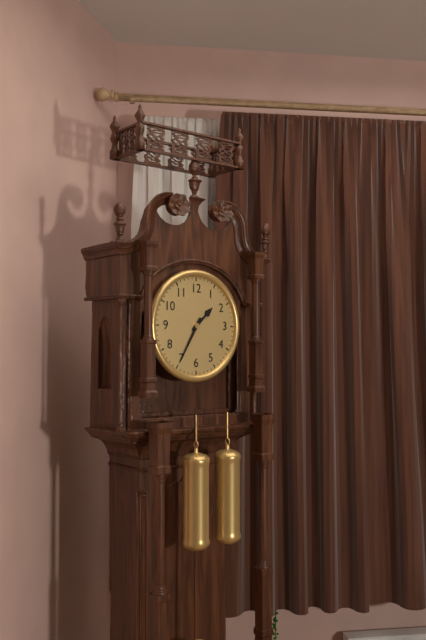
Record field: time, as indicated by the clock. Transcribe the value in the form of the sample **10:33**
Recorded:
**1:35**
